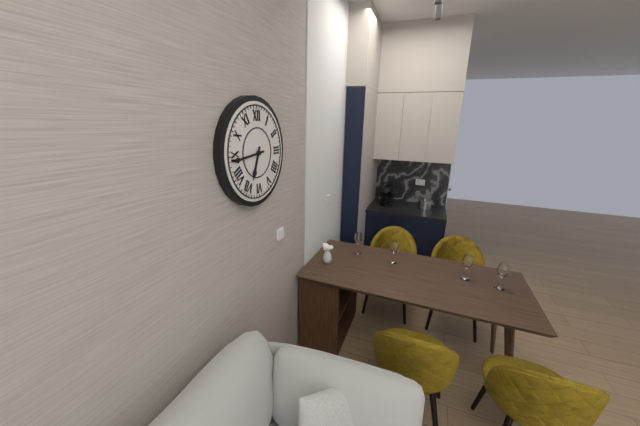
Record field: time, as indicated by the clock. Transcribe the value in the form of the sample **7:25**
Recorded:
**6:44**
